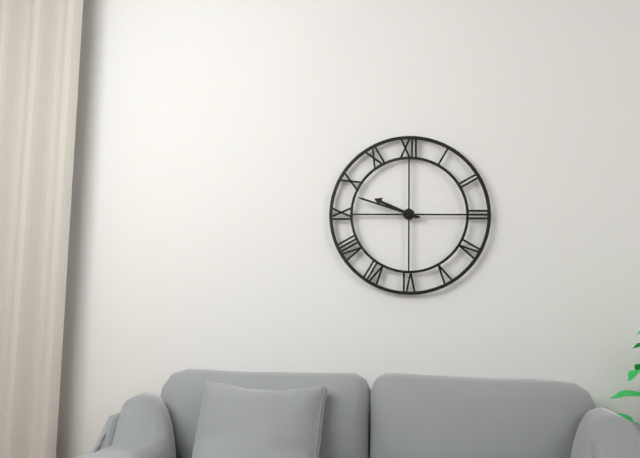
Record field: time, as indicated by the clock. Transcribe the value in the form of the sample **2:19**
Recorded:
**9:48**
